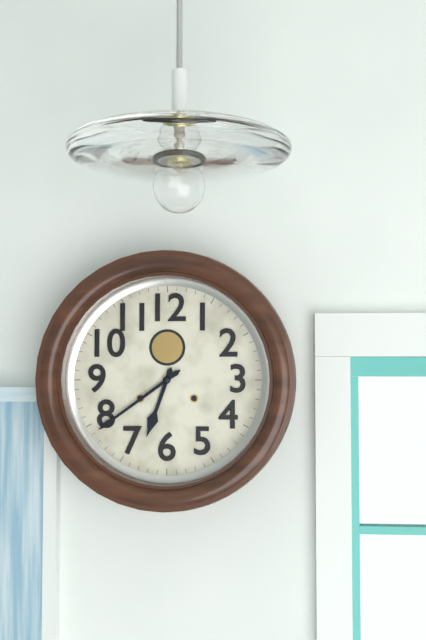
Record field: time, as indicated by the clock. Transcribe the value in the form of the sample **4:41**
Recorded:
**6:39**
